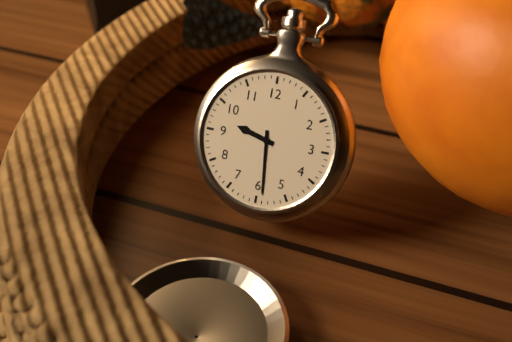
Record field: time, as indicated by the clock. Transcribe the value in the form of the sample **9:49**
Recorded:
**9:29**
